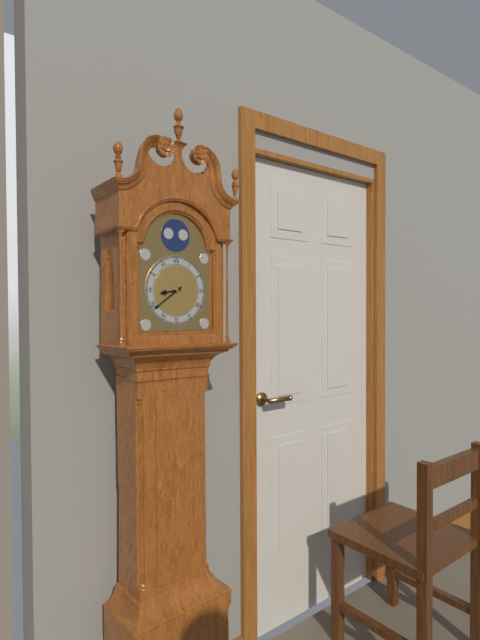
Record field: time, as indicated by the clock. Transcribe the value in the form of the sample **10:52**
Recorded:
**8:39**
